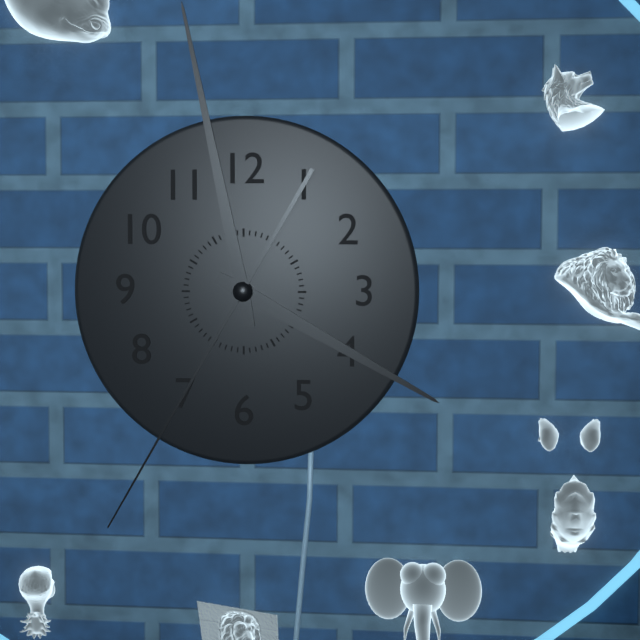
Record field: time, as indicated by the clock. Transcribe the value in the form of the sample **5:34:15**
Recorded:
**3:58:35**
